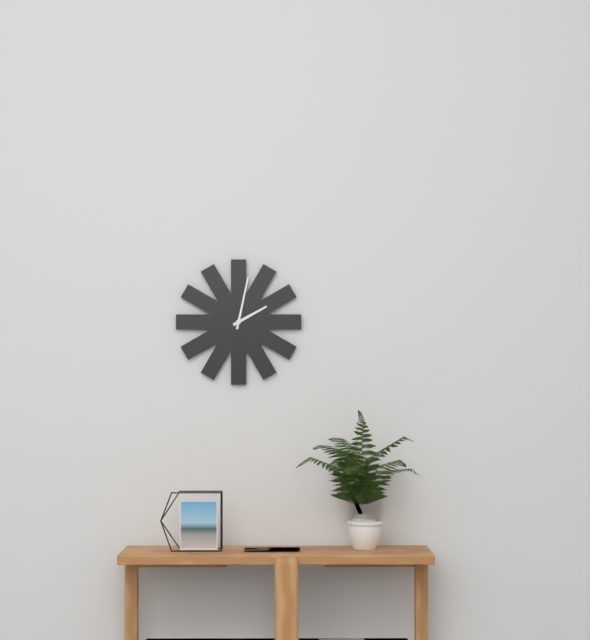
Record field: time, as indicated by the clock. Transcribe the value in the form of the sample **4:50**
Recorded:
**2:02**
